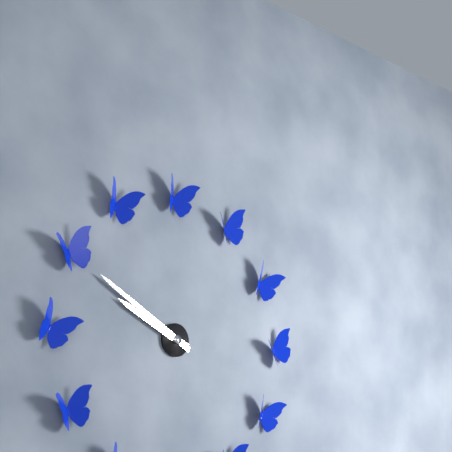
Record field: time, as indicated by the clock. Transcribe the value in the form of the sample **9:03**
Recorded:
**9:50**
